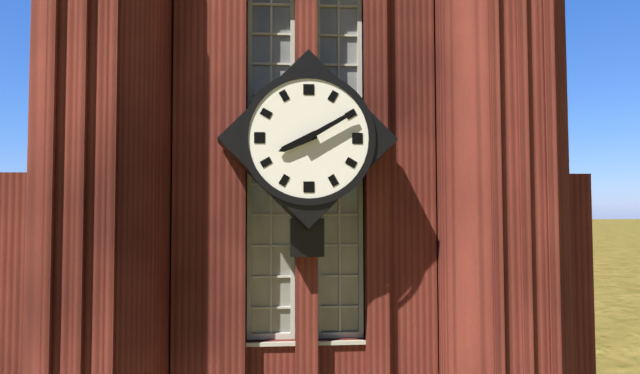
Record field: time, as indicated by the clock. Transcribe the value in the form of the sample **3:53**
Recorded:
**8:10**
